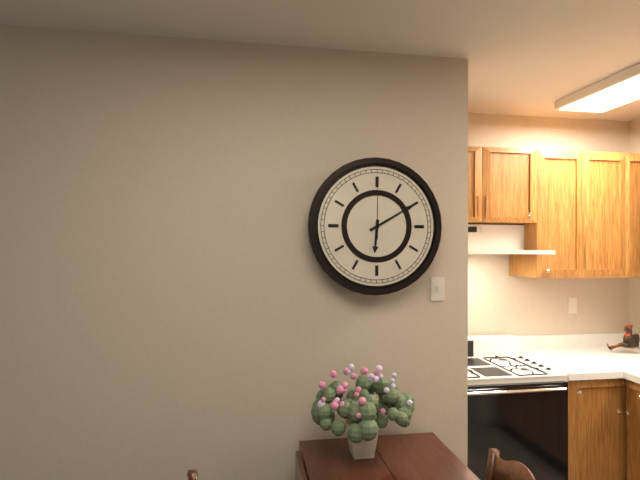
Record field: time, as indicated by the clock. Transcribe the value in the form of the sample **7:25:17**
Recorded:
**6:10:00**
